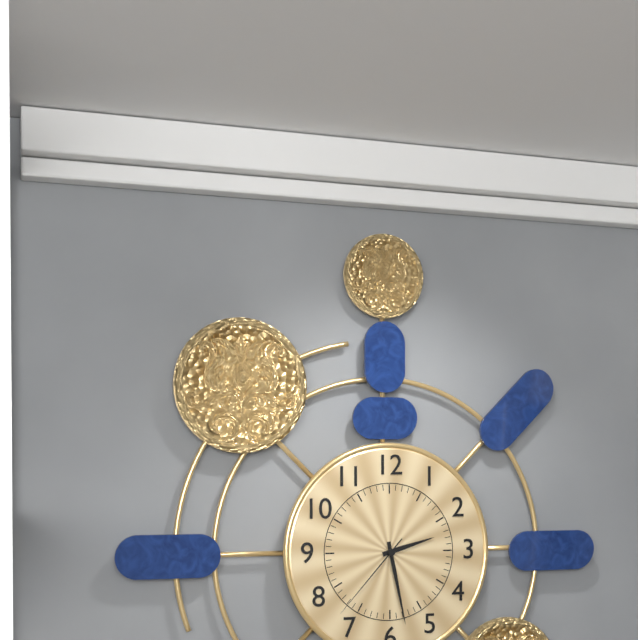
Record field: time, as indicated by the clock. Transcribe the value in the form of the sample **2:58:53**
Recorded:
**2:28:37**
